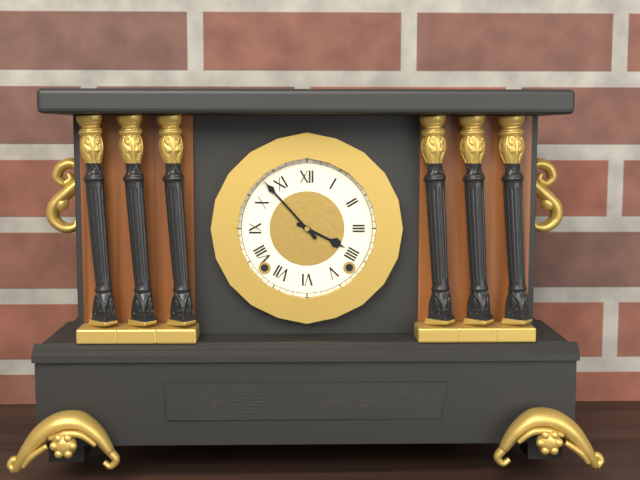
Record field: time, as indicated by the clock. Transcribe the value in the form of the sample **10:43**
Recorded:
**3:53**
